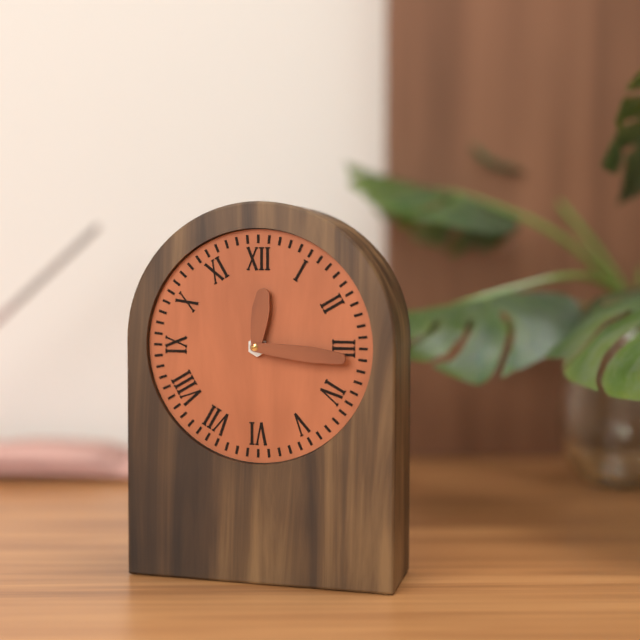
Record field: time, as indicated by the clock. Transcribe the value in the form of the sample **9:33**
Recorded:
**12:16**
